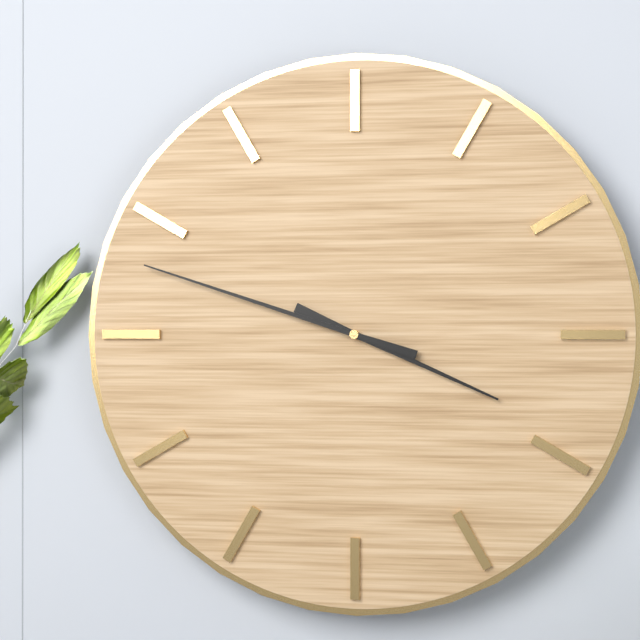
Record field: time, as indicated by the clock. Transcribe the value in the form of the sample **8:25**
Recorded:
**3:48**
